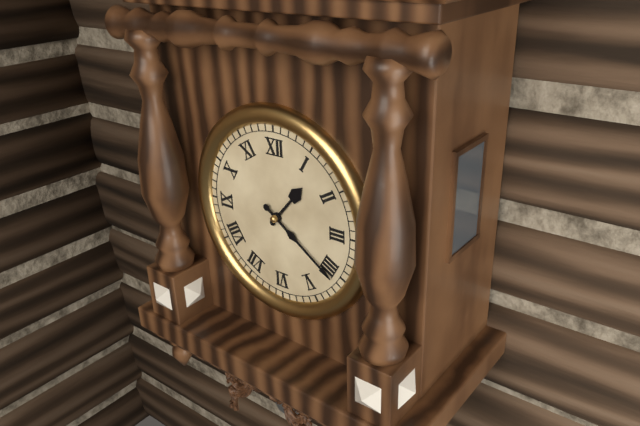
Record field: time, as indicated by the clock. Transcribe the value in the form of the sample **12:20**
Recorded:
**1:21**
